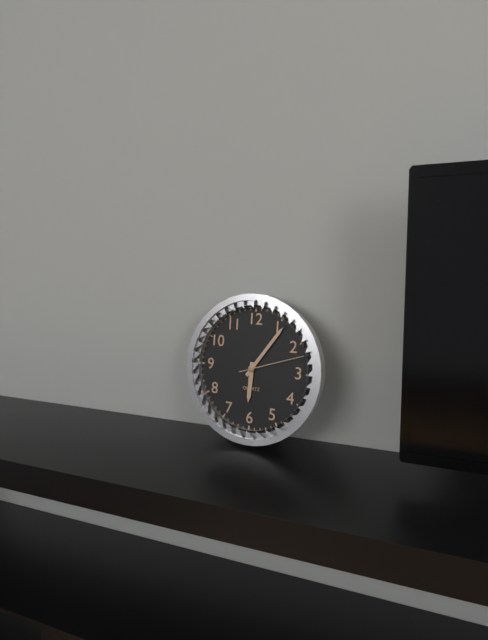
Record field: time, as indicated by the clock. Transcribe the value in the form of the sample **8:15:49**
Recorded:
**6:06:12**
